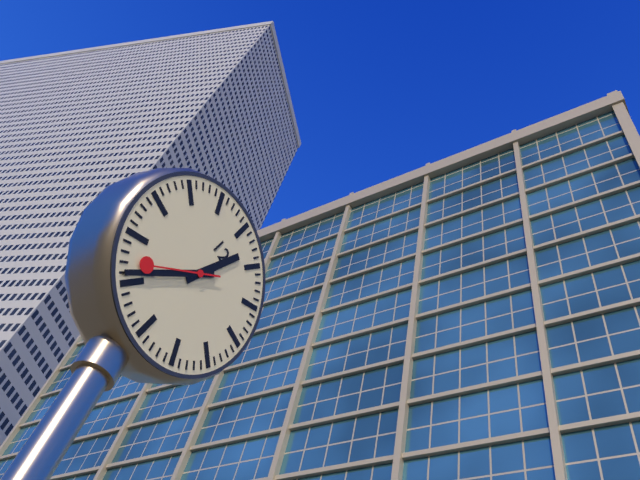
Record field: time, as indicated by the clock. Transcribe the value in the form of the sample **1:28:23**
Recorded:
**12:36:37**
